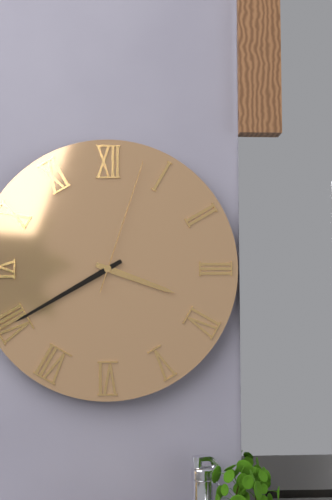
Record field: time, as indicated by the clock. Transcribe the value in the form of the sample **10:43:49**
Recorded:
**3:40:03**
